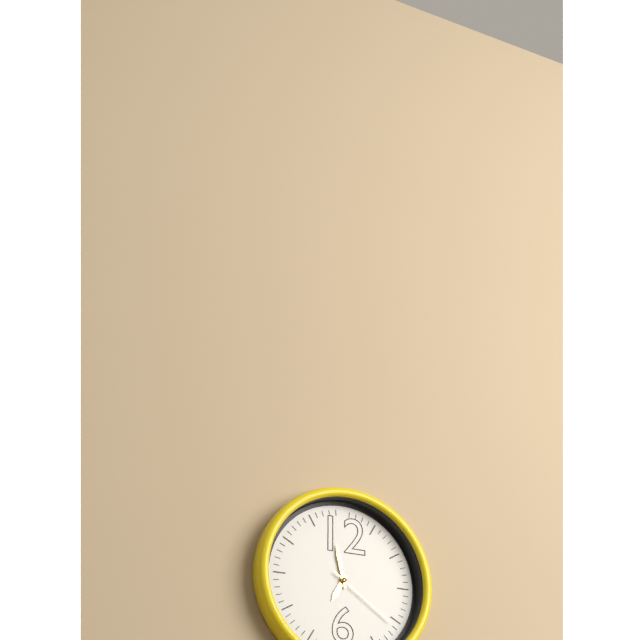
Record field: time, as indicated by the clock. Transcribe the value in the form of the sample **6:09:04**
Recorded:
**6:58:21**
